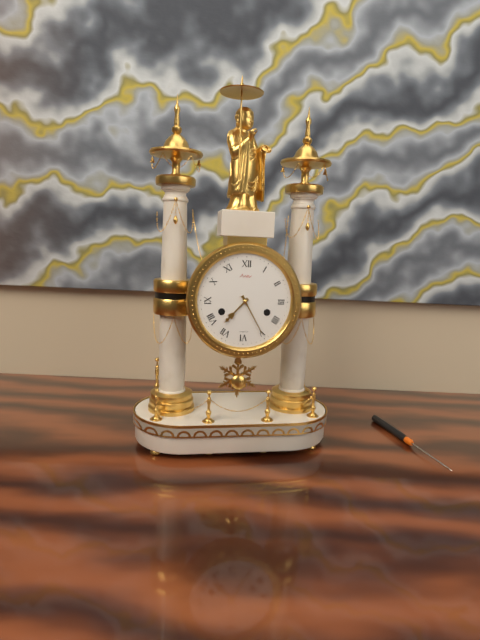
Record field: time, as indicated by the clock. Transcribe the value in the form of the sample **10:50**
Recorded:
**7:25**
